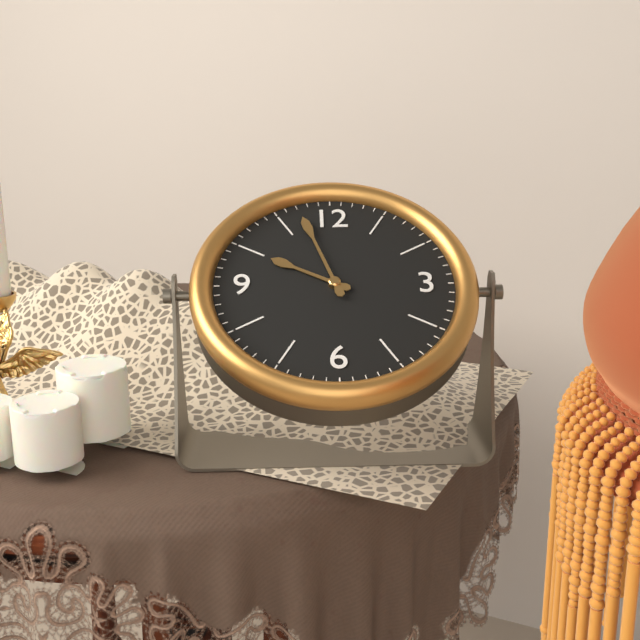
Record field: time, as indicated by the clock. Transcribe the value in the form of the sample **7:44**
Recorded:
**9:57**
